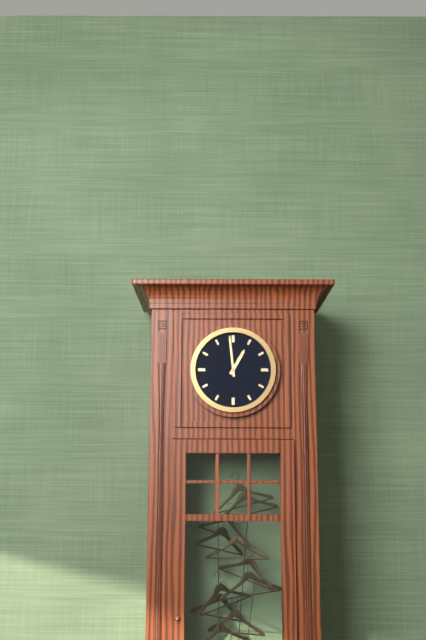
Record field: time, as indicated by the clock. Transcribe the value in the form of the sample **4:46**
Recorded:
**12:59**
